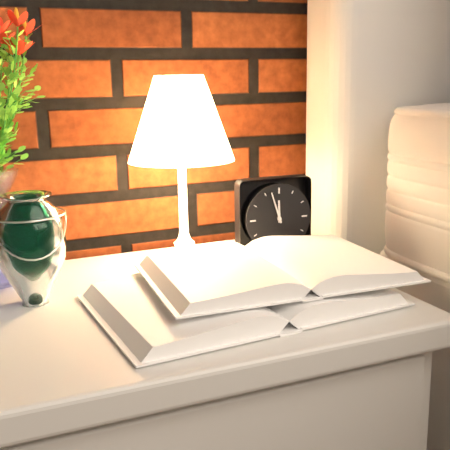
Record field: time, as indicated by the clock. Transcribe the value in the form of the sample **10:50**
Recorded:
**11:57**
